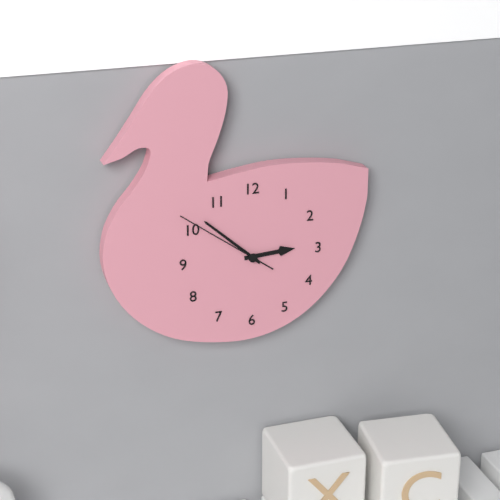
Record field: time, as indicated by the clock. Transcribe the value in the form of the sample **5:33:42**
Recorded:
**2:52:51**
